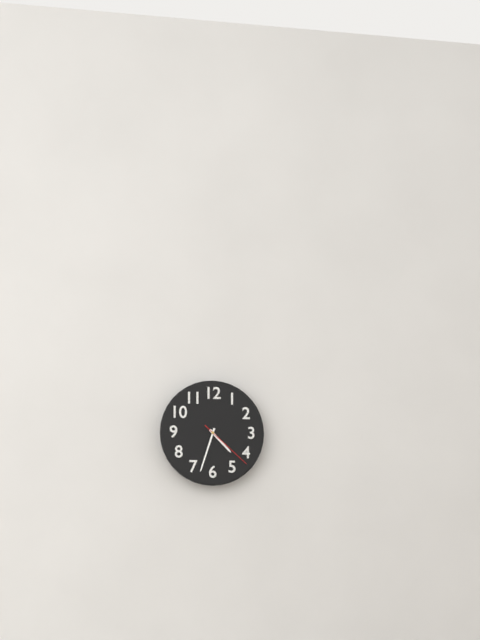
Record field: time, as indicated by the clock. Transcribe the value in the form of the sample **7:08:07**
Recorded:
**4:33:22**
